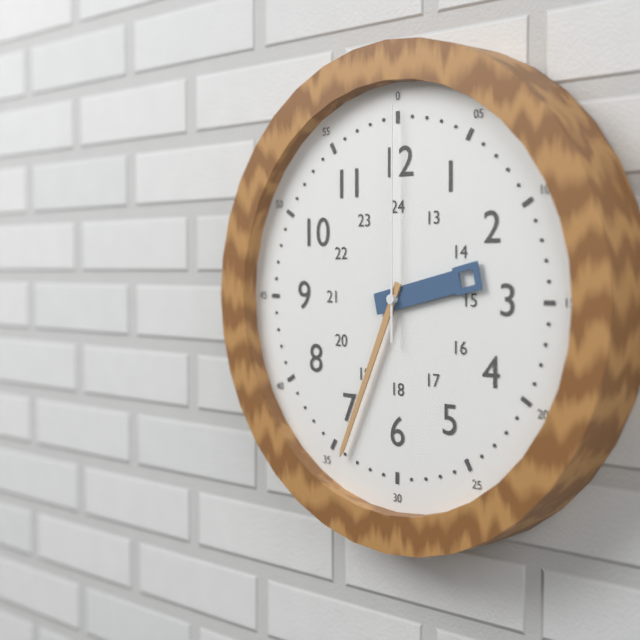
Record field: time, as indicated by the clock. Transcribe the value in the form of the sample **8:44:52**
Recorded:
**2:34:00**
